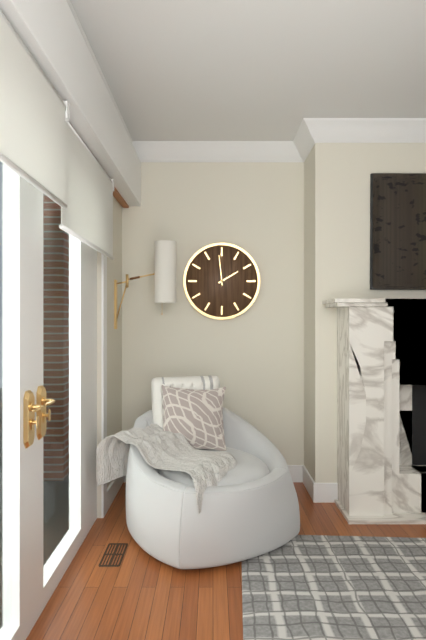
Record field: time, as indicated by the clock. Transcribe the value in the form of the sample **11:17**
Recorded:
**1:59**
